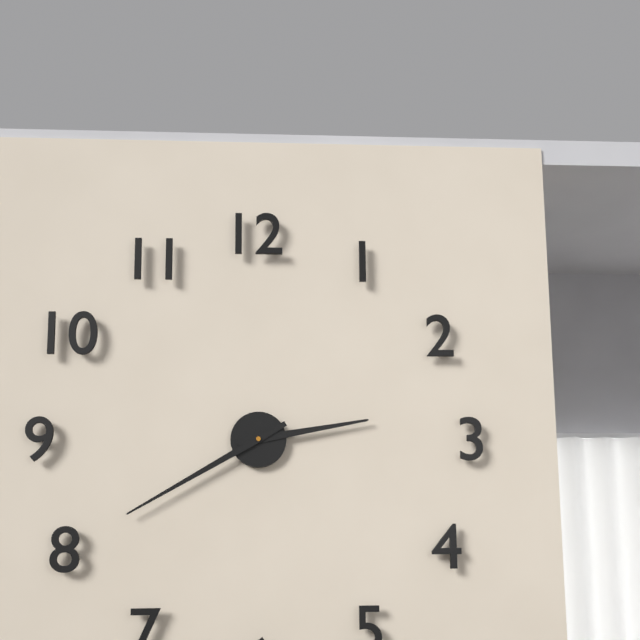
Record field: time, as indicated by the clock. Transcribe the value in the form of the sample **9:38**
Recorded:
**2:40**
